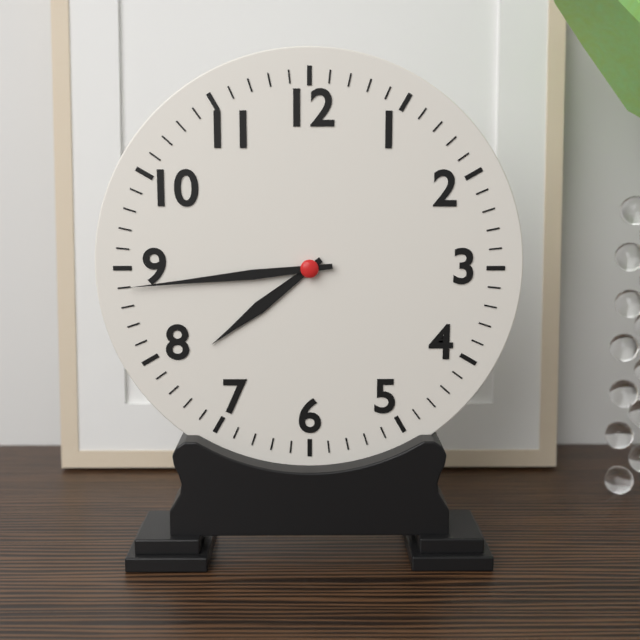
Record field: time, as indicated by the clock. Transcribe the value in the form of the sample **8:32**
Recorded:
**7:44**
